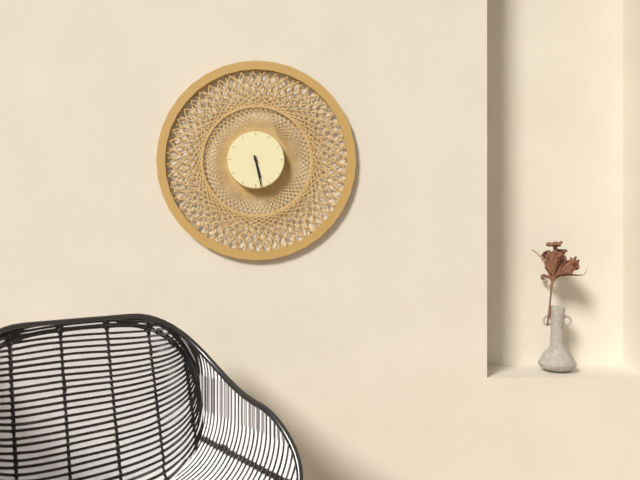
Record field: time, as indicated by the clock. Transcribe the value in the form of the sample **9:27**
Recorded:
**5:28**
